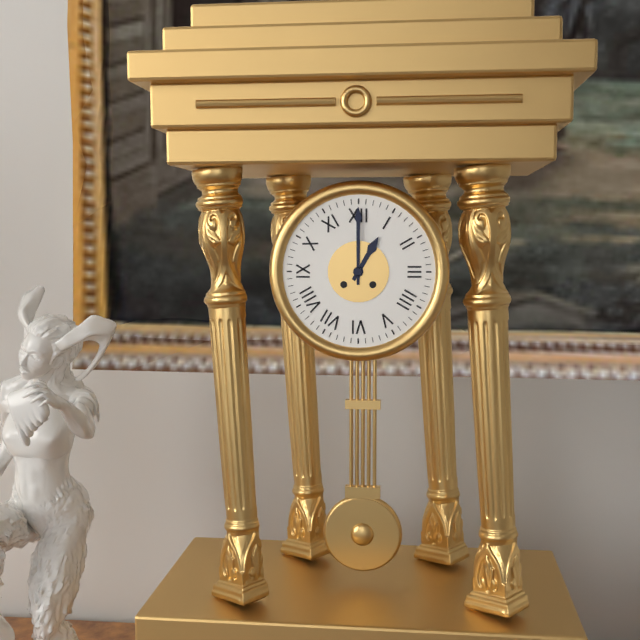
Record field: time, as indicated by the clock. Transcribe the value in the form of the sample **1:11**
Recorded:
**1:00**
